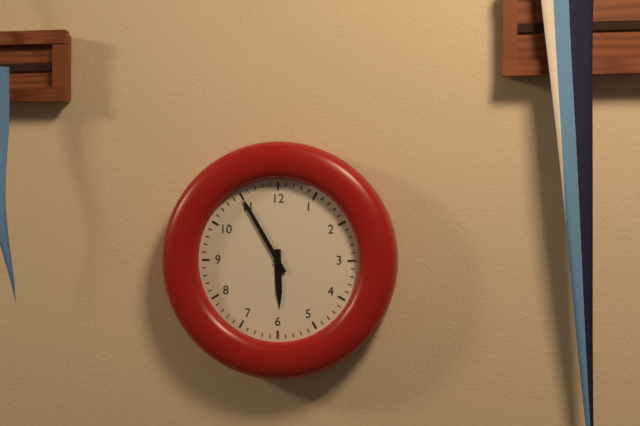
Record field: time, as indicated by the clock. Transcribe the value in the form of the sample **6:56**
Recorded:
**5:55**
